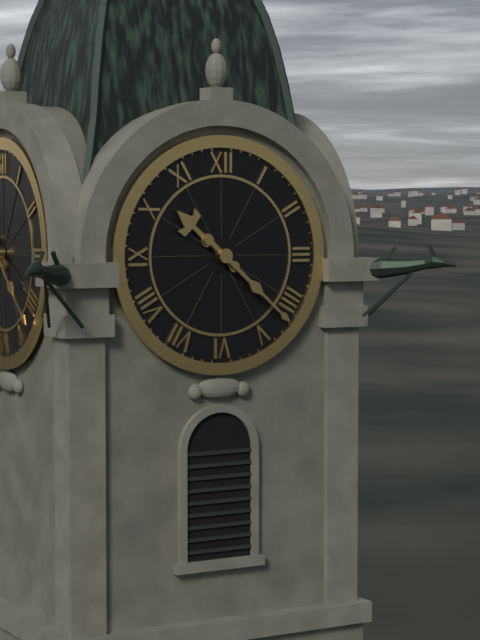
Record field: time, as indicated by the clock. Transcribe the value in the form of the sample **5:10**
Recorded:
**10:22**
